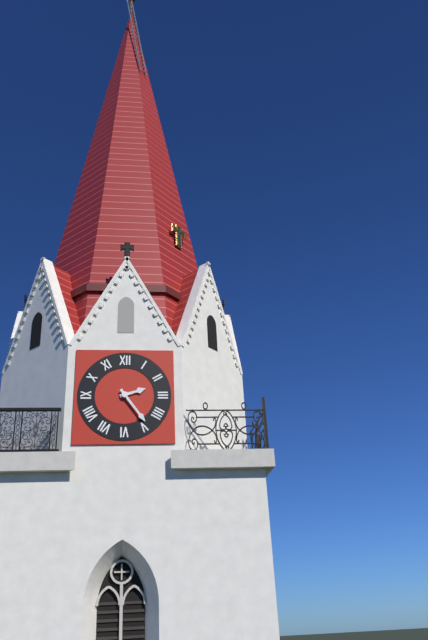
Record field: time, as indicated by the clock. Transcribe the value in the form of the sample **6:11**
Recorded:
**2:24**
